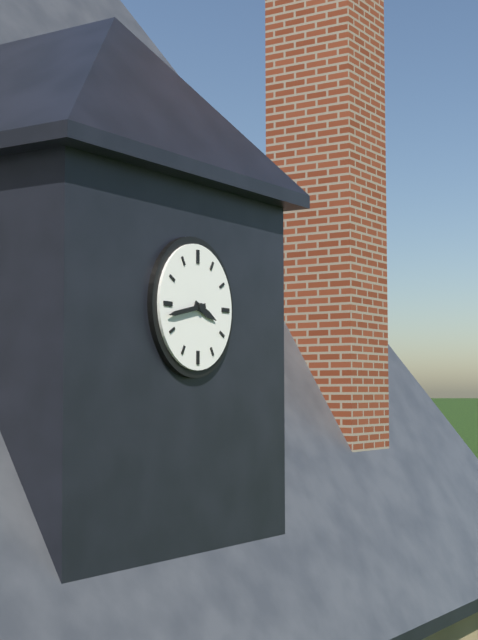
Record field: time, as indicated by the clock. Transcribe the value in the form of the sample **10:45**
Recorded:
**3:43**
